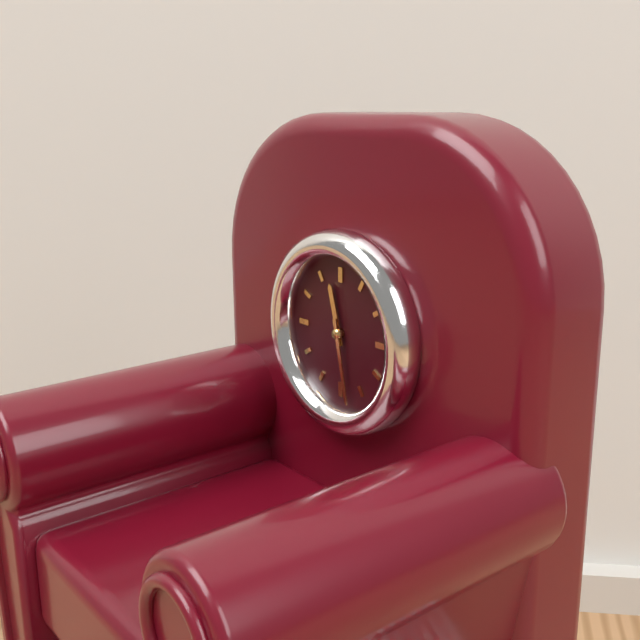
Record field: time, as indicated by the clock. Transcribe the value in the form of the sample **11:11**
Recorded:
**11:28**
